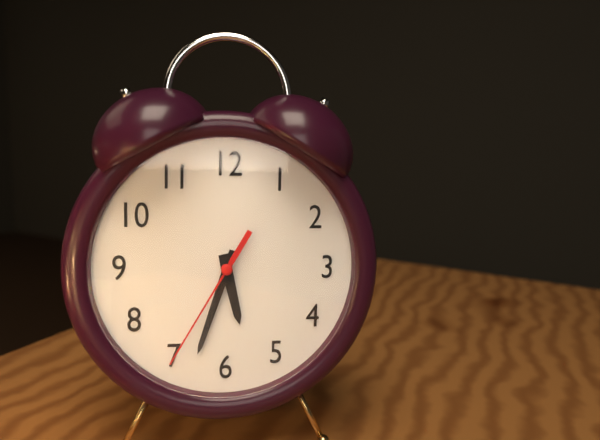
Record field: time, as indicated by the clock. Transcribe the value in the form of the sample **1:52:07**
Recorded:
**5:33:35**
